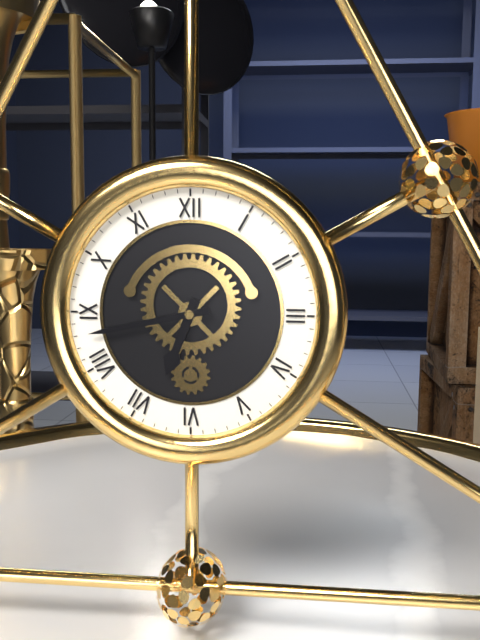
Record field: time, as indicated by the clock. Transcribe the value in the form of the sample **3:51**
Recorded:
**6:43**
